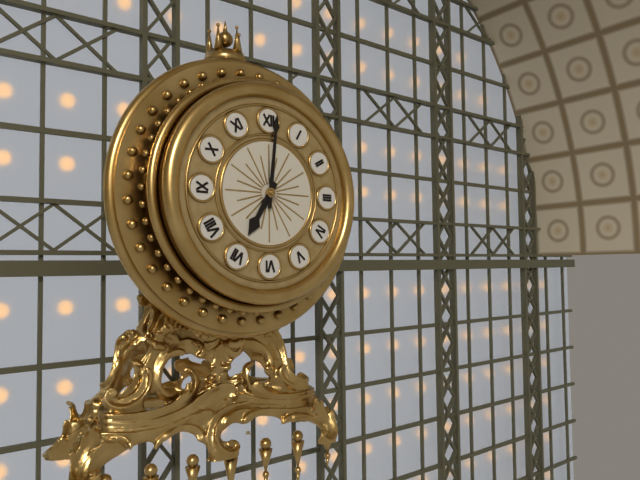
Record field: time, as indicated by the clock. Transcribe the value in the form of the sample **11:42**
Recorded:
**7:01**
